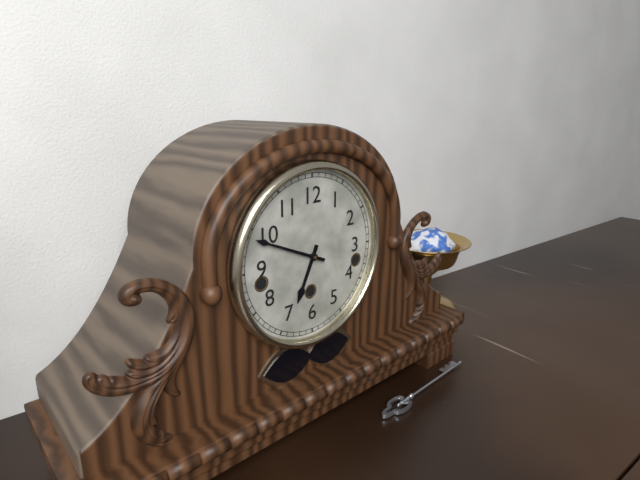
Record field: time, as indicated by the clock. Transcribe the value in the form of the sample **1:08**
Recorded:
**6:49**
